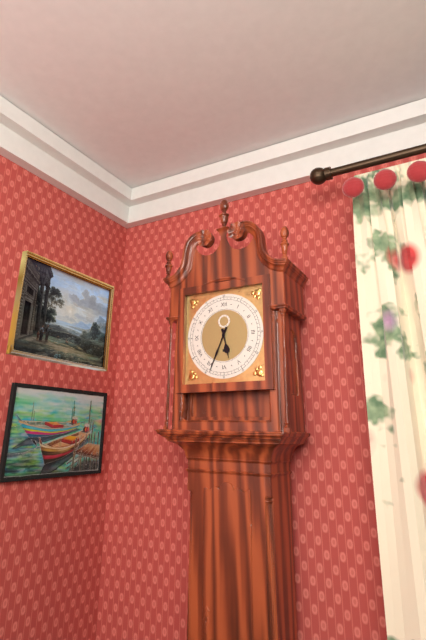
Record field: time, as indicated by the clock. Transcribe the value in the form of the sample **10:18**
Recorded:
**5:34**
